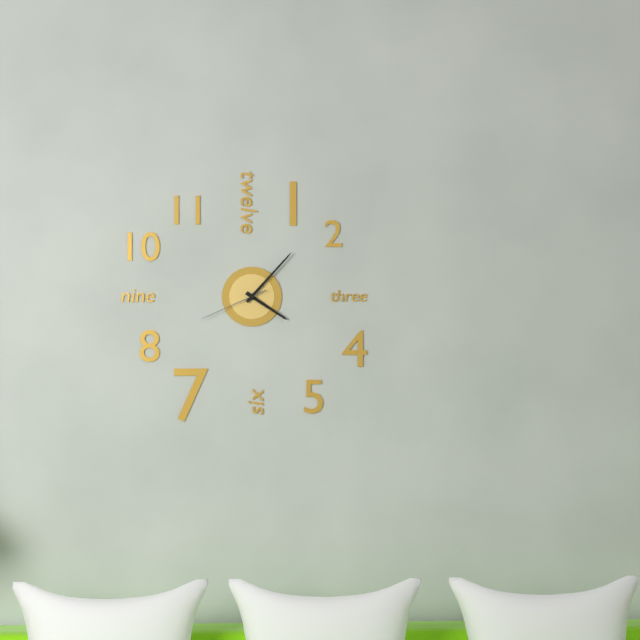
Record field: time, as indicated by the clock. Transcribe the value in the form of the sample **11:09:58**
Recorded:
**4:07:41**
